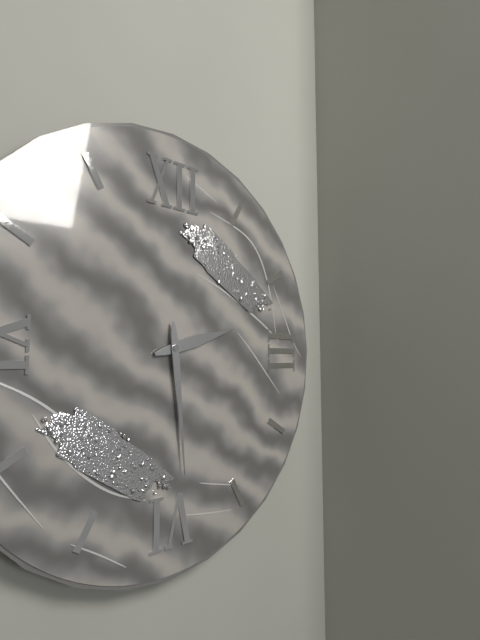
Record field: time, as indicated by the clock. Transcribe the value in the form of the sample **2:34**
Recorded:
**2:29**
